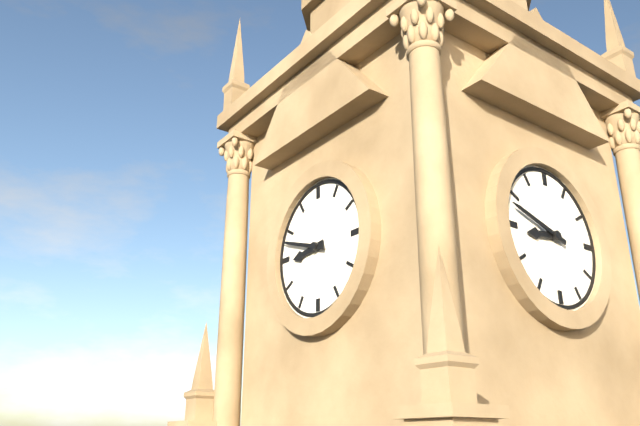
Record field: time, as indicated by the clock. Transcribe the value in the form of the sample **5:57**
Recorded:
**8:48**
